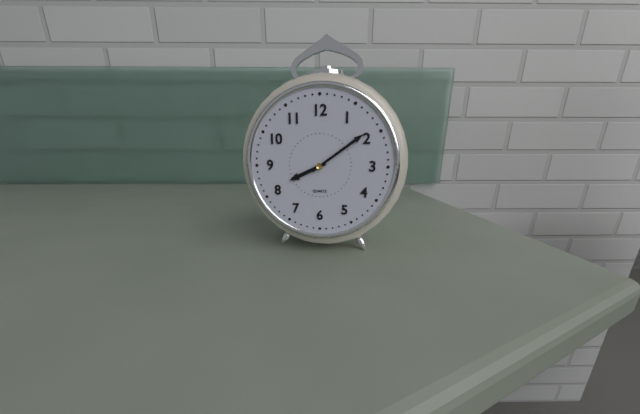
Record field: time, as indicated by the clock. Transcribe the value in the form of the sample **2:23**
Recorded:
**8:09**
